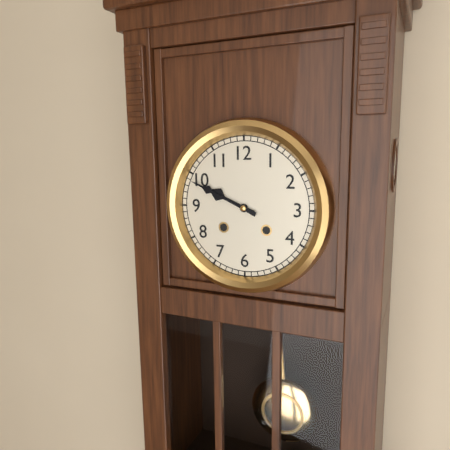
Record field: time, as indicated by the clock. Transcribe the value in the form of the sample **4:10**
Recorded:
**9:49**
